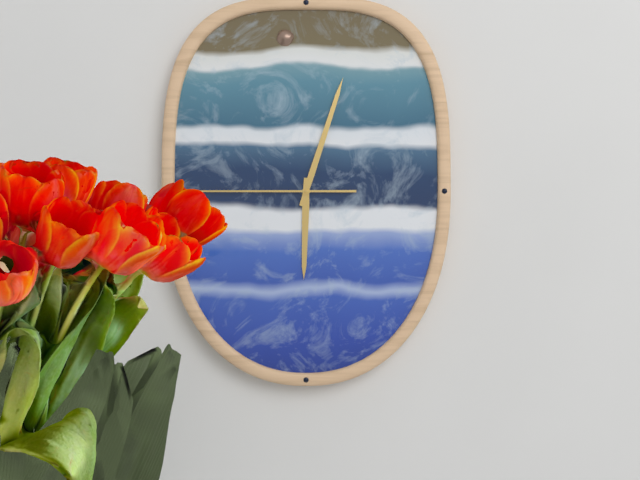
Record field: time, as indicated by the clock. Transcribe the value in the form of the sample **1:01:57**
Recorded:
**6:03:45**
